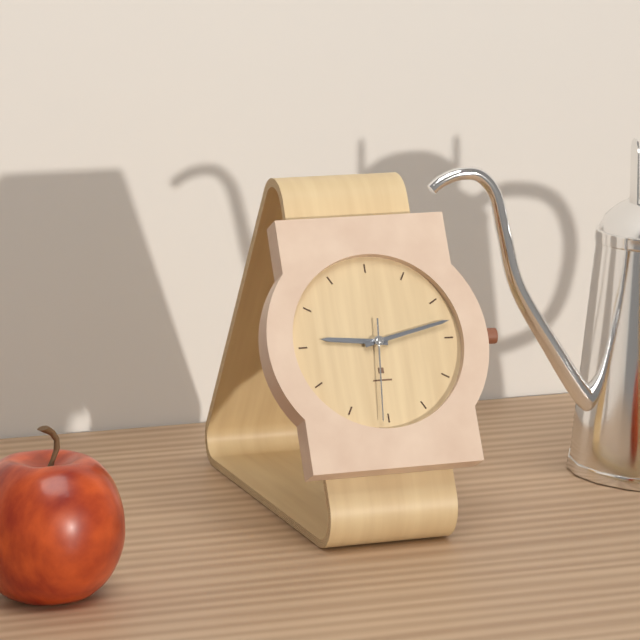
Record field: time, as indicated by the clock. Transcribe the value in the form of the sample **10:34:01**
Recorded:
**9:13:31**
